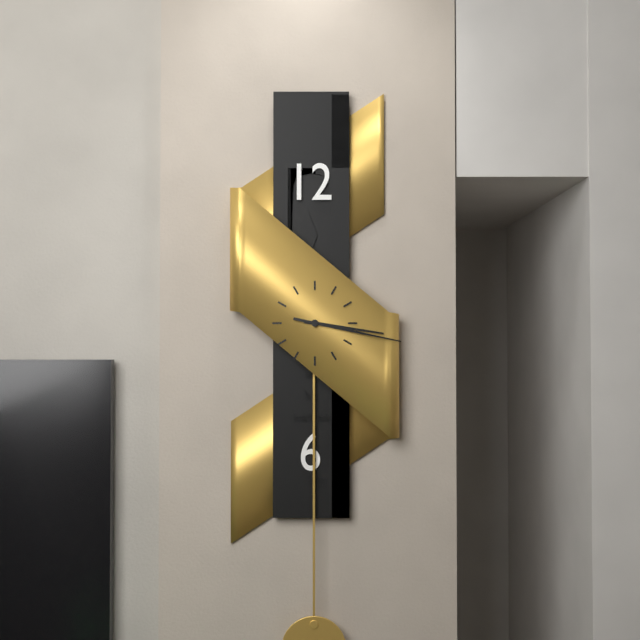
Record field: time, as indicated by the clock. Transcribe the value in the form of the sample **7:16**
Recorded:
**3:17**
